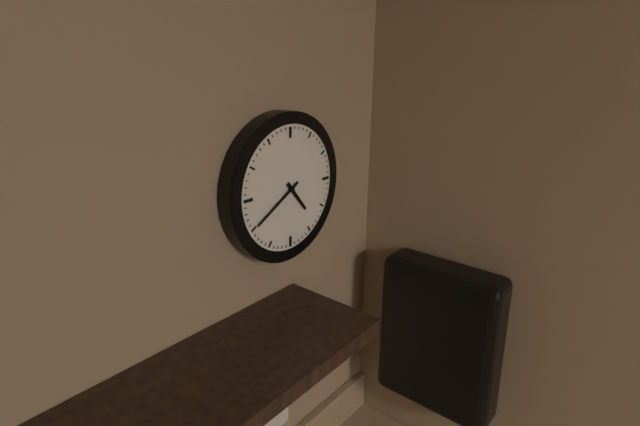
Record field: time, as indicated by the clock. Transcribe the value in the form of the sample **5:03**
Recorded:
**4:40**
